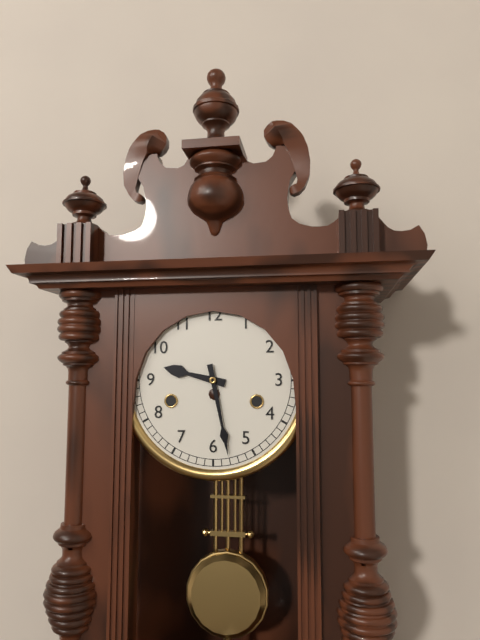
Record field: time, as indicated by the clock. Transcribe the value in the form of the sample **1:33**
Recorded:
**9:28**
